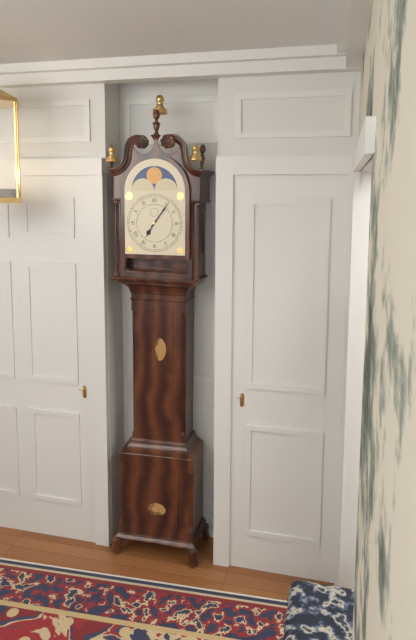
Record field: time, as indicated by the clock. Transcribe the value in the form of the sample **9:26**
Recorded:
**7:06**
